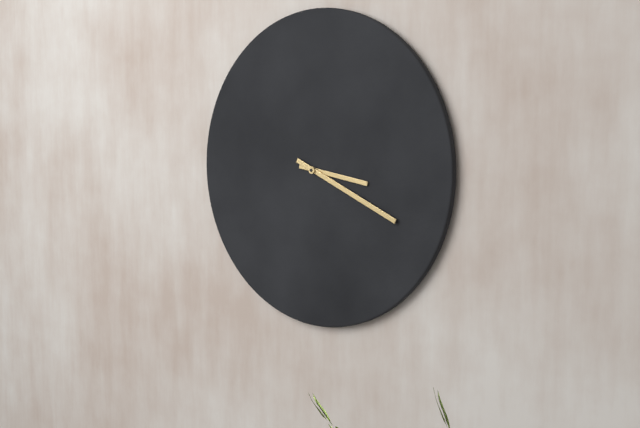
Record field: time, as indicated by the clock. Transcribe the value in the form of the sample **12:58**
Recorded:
**3:19**
